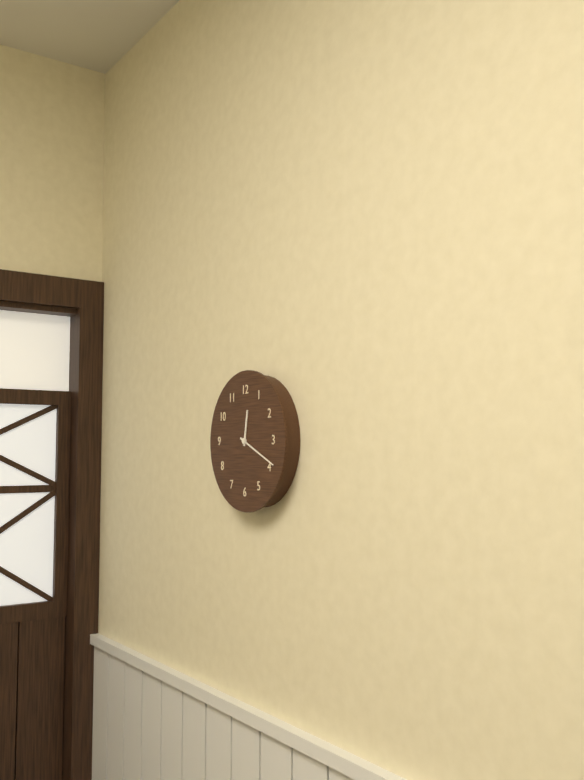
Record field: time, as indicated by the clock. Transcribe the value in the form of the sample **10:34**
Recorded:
**12:19**
